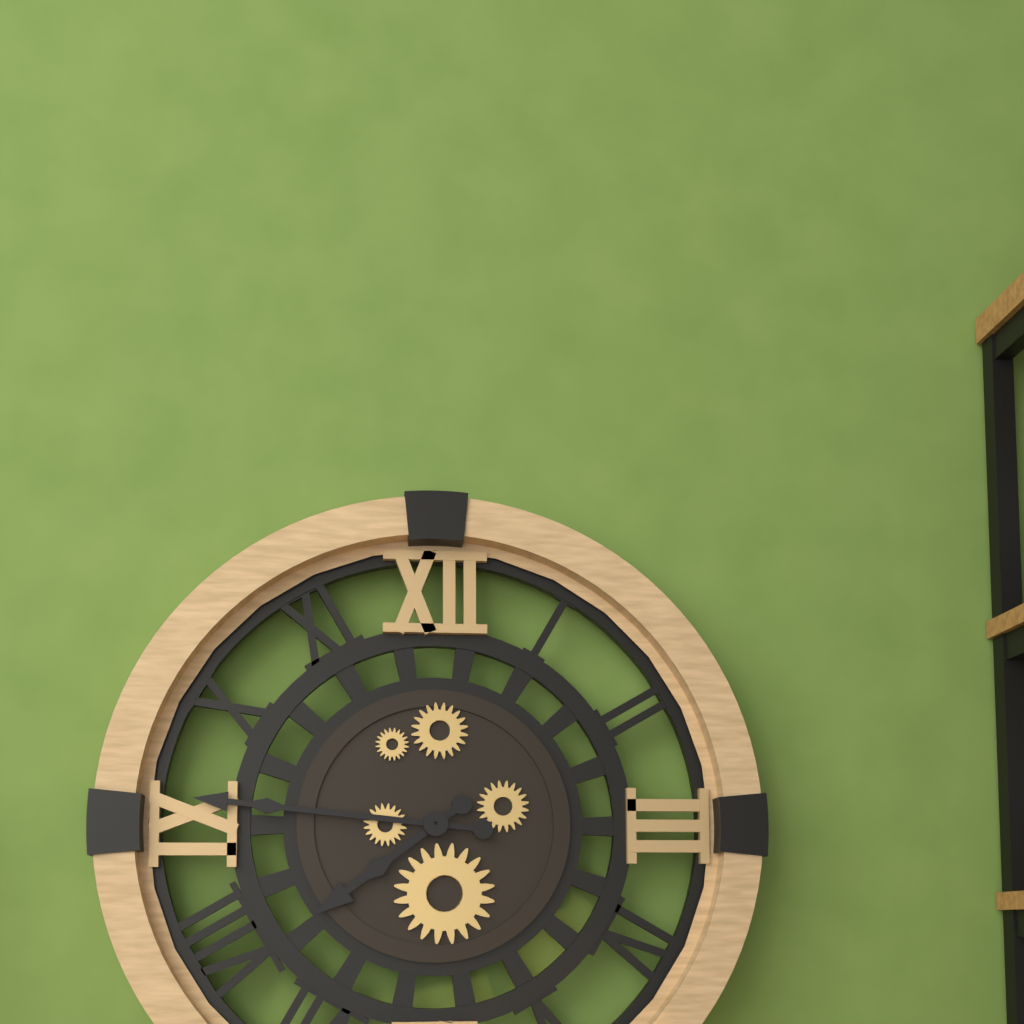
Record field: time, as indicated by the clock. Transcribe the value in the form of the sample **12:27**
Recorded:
**7:46**
